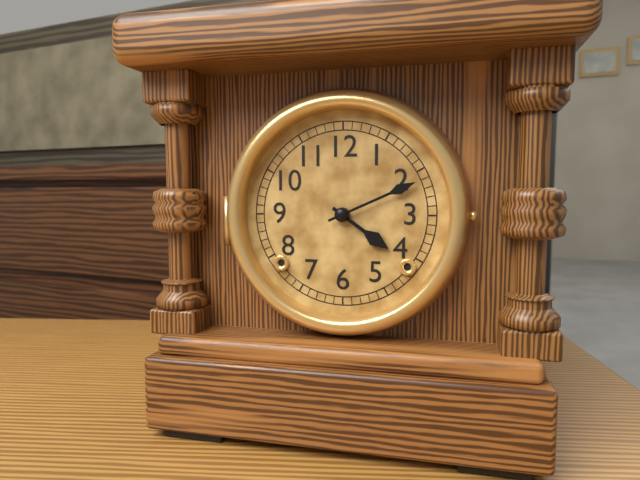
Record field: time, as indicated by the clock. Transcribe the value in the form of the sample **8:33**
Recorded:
**4:11**
